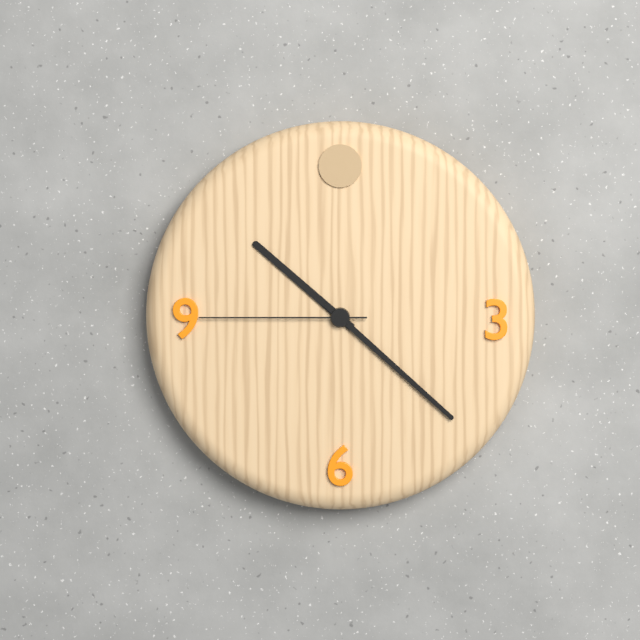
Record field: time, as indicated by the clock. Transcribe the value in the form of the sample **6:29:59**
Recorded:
**10:22:45**
